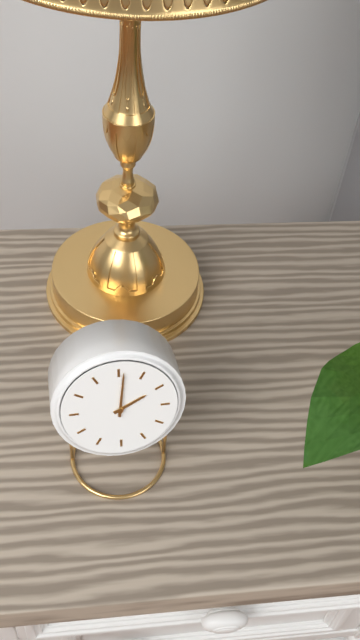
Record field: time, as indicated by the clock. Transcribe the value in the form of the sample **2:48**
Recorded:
**2:01**
